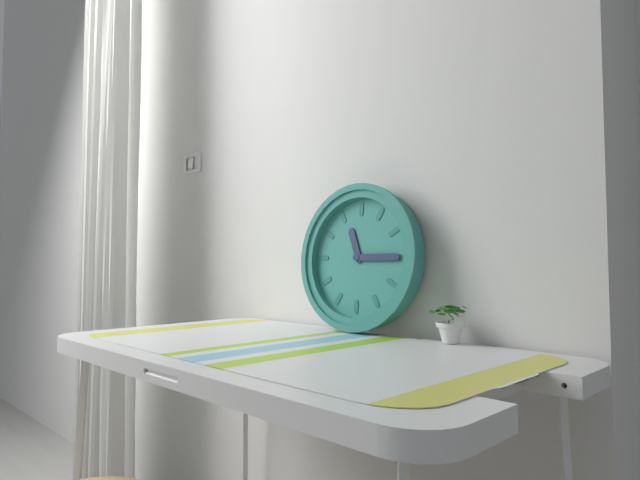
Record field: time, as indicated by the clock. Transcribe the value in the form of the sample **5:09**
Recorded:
**11:15**
